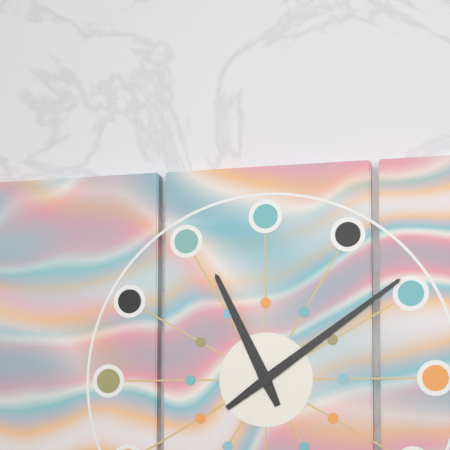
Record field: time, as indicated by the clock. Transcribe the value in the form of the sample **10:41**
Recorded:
**11:09**
